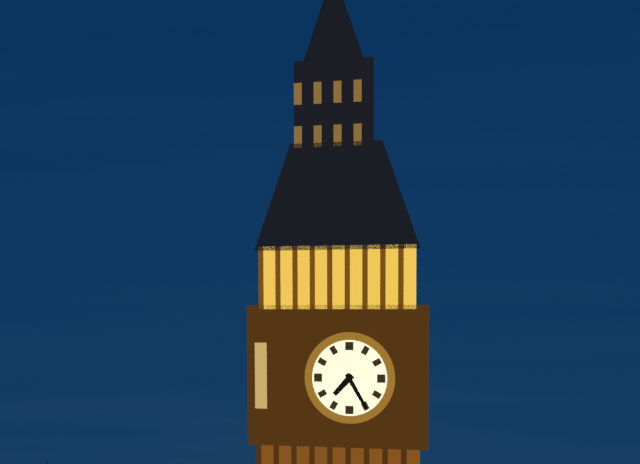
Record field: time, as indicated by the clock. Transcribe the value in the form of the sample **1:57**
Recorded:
**7:25**
